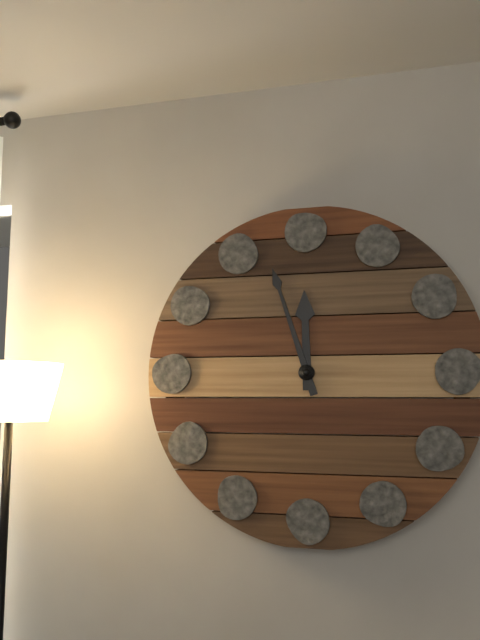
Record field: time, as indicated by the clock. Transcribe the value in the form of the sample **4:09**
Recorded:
**11:57**
